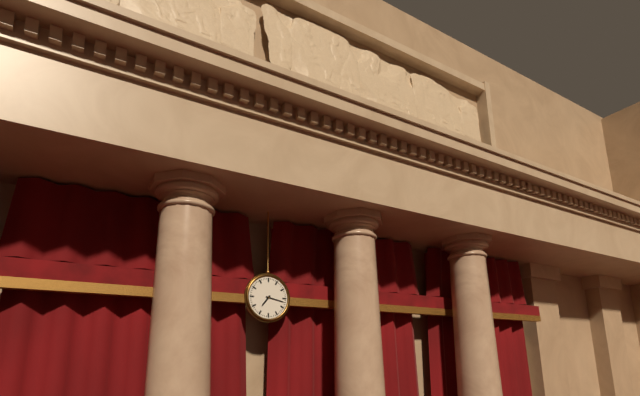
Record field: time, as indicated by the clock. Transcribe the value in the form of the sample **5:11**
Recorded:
**7:17**
